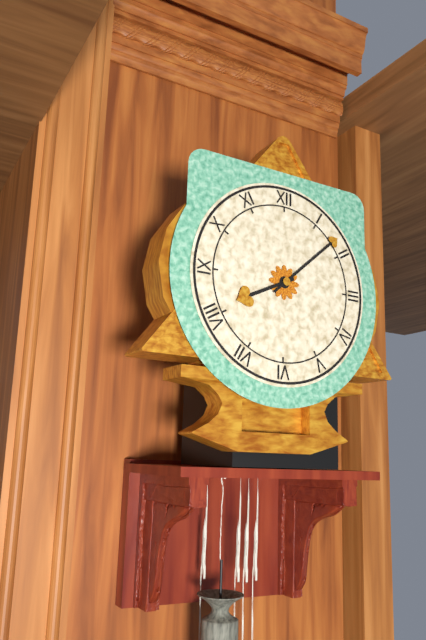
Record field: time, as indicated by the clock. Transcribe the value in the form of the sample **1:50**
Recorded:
**8:08**
